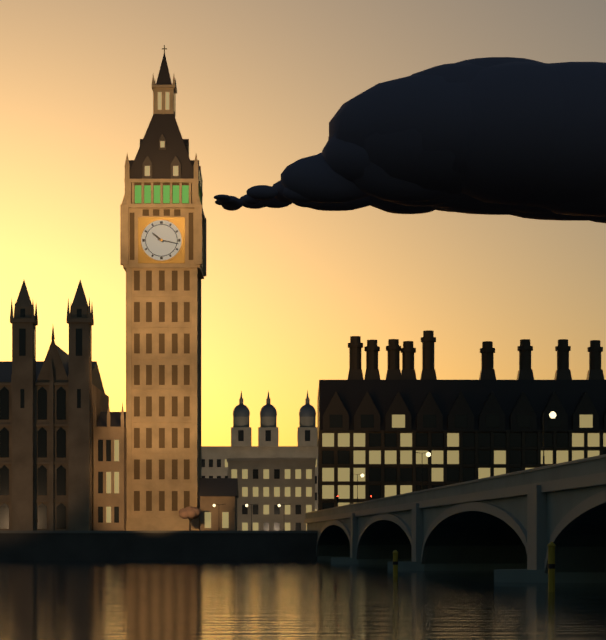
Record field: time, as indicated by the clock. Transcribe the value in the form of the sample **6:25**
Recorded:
**10:17**
